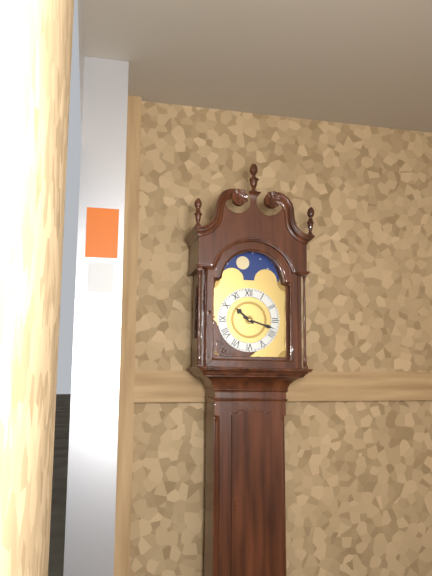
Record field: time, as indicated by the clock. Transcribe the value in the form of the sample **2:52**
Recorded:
**10:18**
